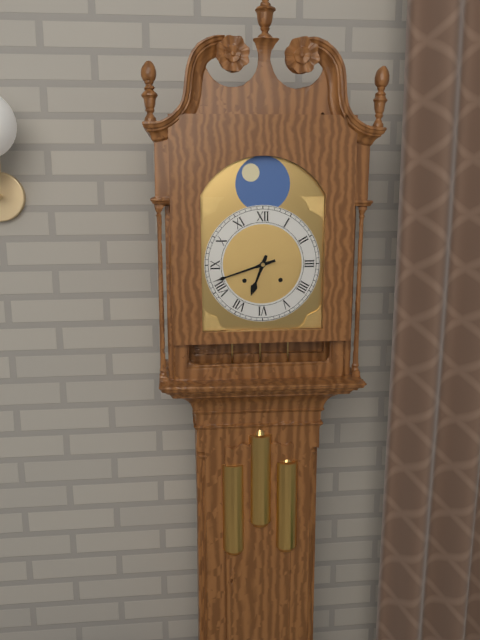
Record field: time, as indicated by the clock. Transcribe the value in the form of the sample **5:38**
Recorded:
**6:42**
